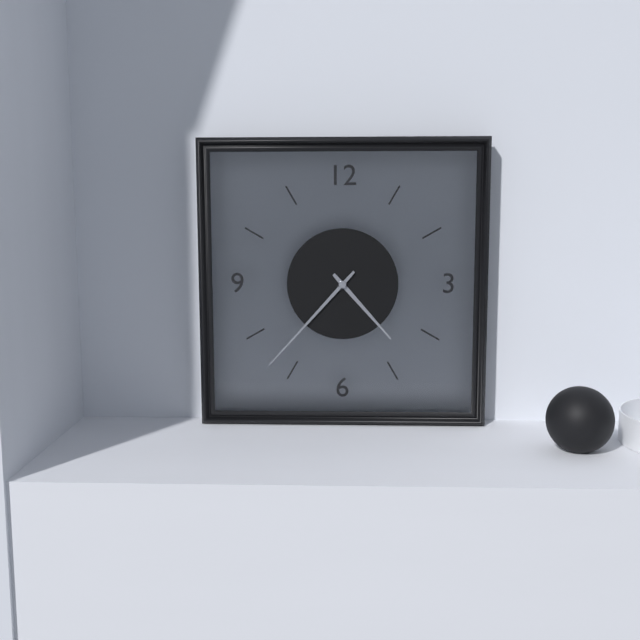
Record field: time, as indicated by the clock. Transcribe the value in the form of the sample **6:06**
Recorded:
**4:37**
